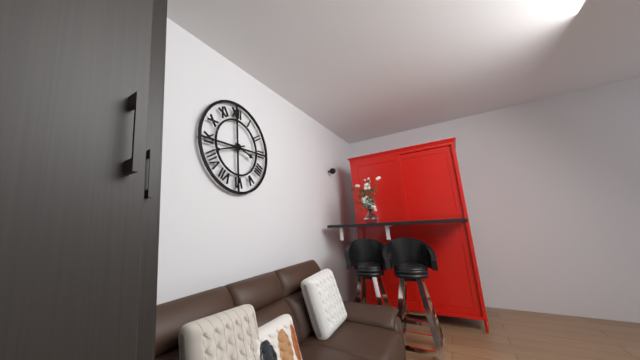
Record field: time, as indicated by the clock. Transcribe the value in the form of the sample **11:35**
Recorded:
**3:42**
